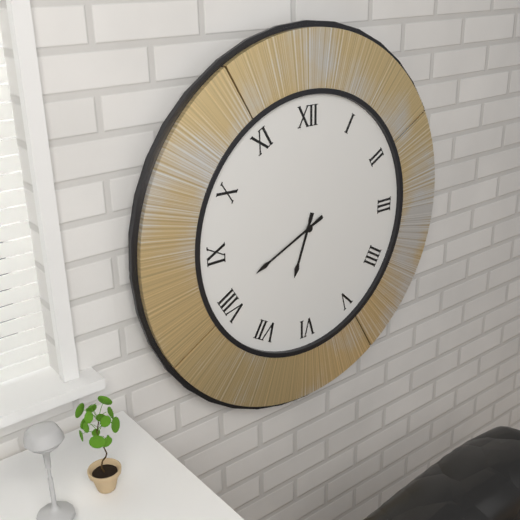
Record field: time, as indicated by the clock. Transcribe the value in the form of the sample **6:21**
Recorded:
**6:41**
